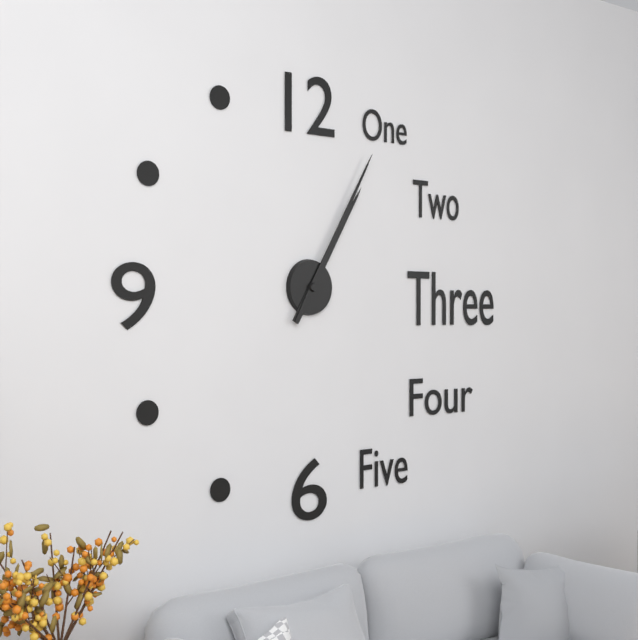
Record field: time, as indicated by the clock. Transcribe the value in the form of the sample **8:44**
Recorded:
**1:05**
